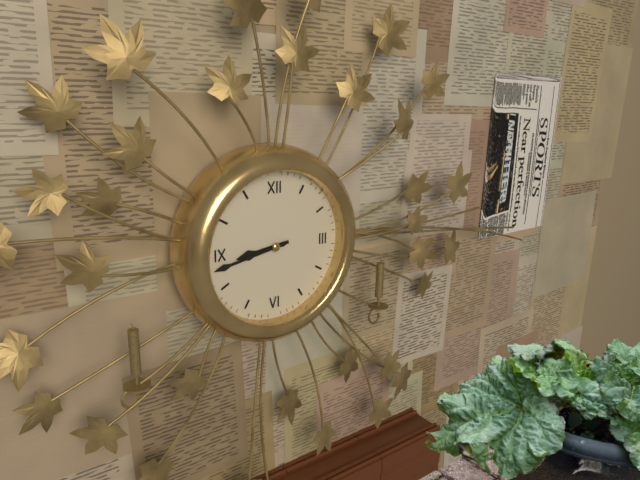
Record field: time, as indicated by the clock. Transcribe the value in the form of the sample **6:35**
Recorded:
**8:43**
